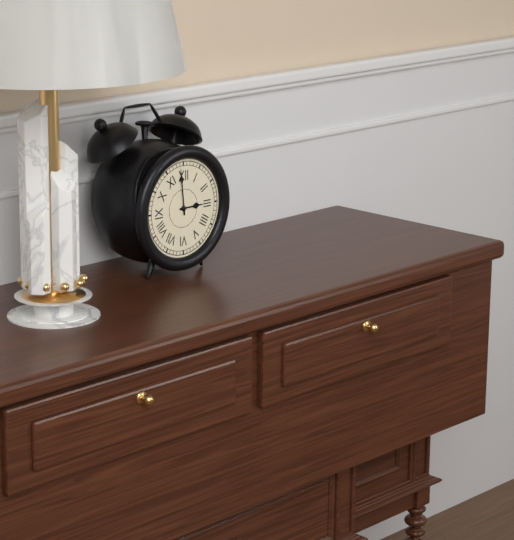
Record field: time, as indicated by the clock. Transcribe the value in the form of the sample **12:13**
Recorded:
**2:59**
